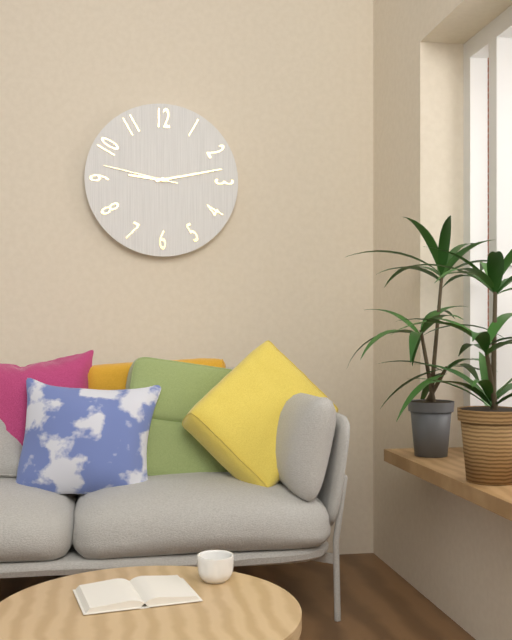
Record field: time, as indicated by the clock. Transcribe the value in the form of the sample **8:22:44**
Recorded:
**9:13:47**
